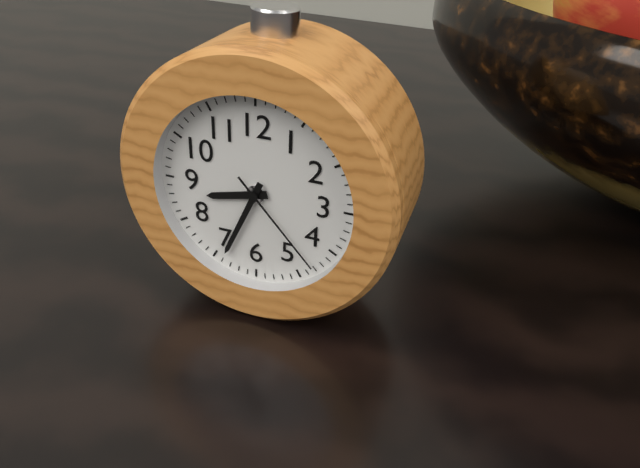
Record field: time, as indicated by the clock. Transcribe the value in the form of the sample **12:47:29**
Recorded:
**8:34:23**
